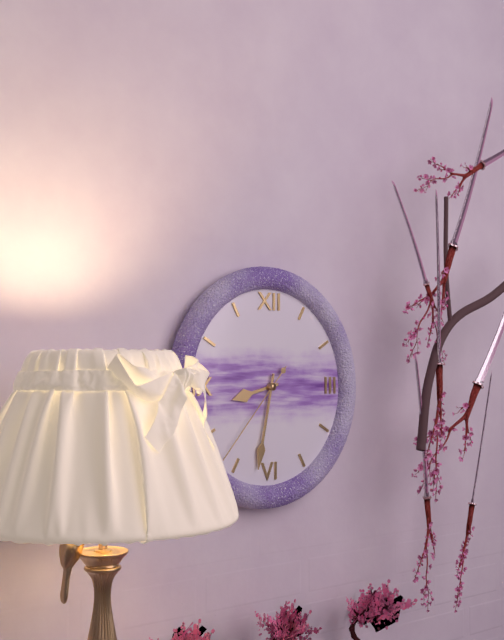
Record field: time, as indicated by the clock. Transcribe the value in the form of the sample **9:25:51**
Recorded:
**8:32:37**
